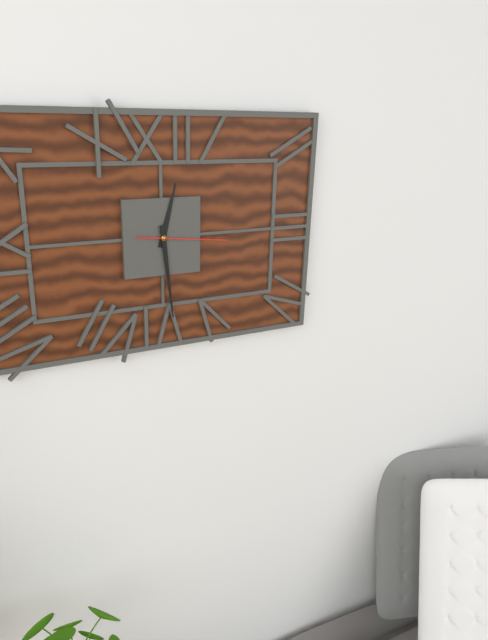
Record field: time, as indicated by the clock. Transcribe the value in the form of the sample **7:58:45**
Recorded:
**12:29:16**
